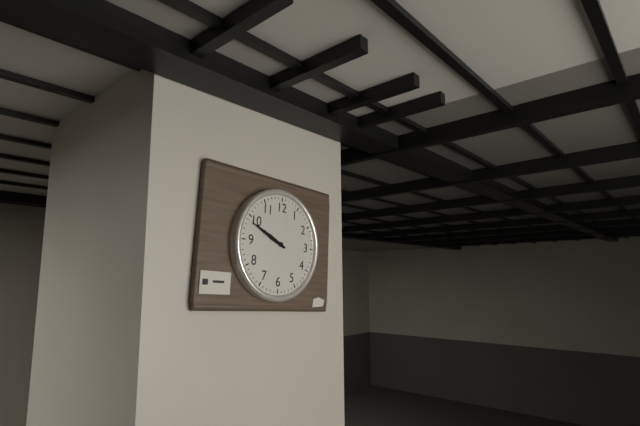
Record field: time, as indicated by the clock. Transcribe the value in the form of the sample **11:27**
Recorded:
**9:49**
